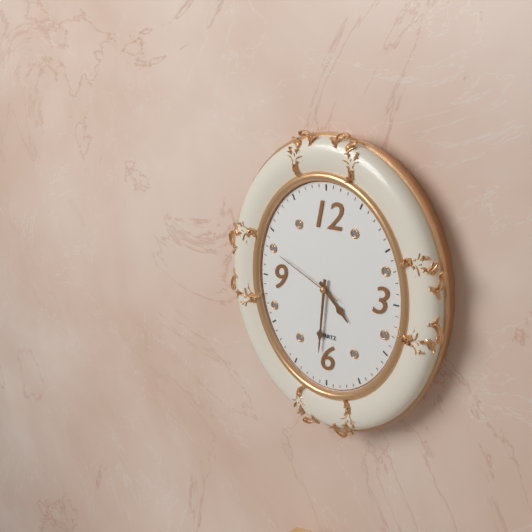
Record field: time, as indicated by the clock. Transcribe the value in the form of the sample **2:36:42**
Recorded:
**4:31:49**
